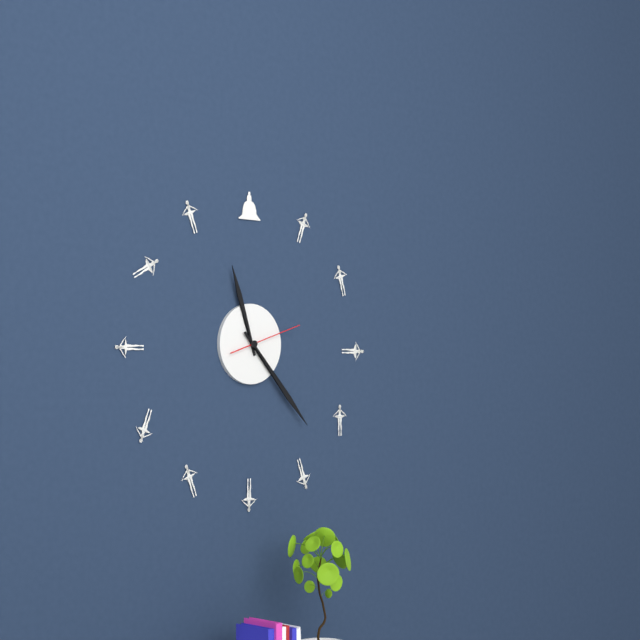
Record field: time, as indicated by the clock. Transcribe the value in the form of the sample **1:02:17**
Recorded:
**11:23:12**
